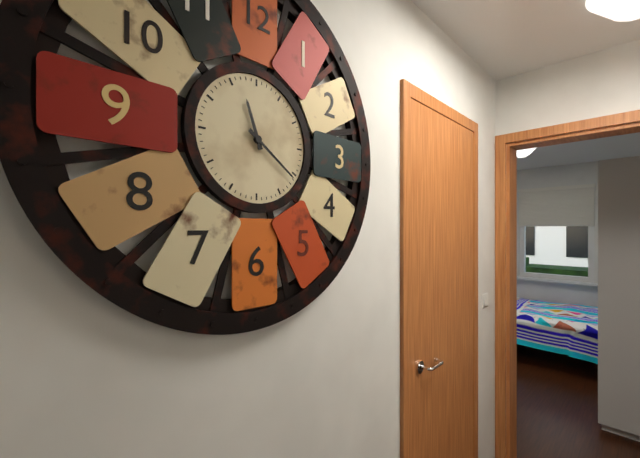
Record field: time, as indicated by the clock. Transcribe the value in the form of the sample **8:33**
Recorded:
**11:21**
